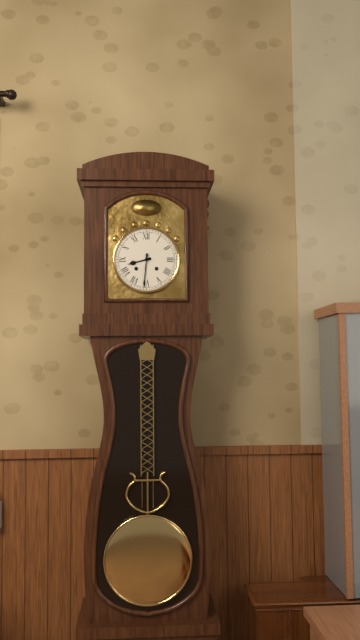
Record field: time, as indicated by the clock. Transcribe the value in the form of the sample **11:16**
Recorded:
**8:31**
